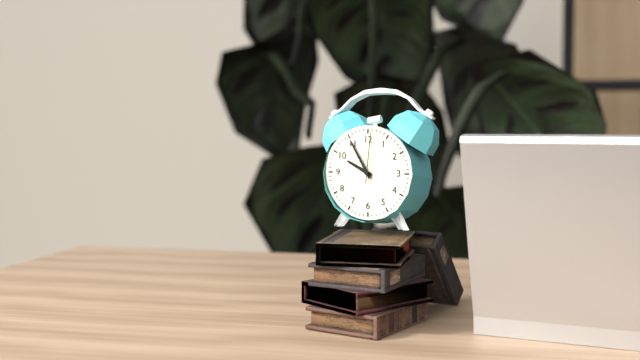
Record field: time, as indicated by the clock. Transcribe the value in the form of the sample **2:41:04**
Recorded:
**9:55:01**
